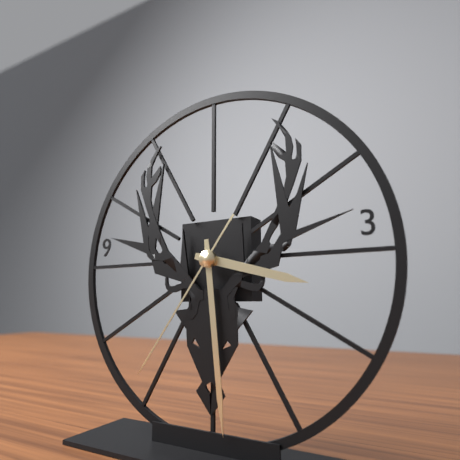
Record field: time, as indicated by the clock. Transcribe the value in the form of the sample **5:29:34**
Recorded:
**3:29:36**
